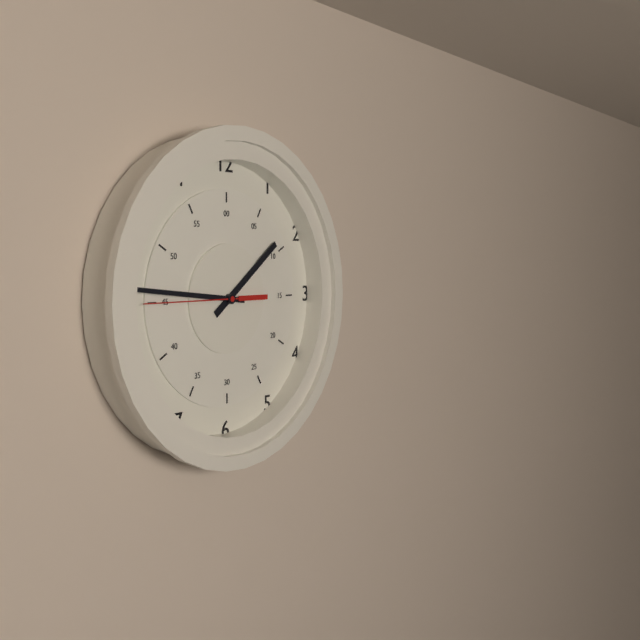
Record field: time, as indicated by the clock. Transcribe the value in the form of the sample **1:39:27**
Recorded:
**1:46:45**
